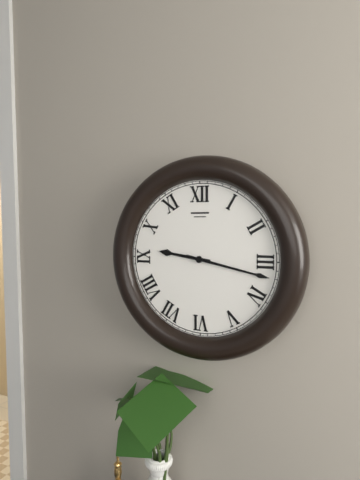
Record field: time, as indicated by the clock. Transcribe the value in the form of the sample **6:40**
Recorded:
**9:17**
